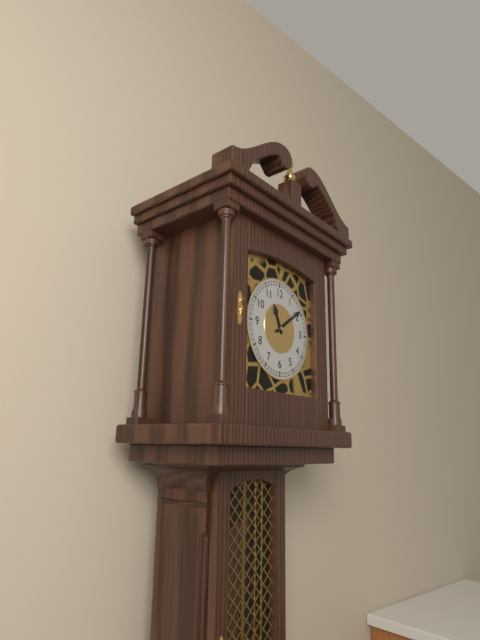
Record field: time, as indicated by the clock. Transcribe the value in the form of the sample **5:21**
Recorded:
**11:09**
